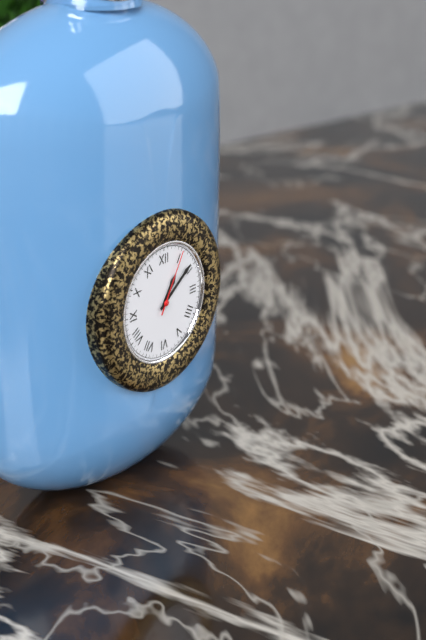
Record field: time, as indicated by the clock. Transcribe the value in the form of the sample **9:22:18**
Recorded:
**1:09:05**
